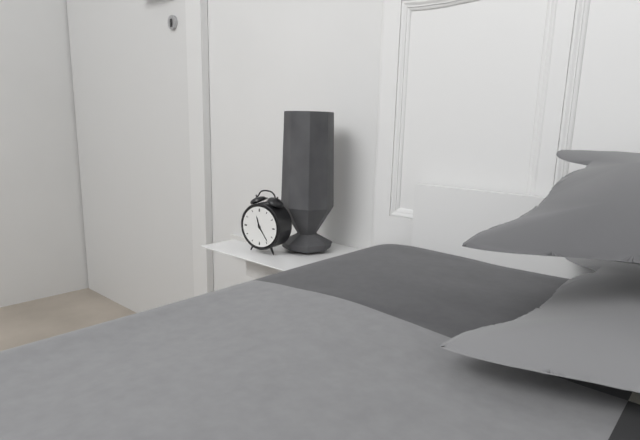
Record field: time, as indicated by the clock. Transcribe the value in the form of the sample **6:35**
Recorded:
**11:24**
